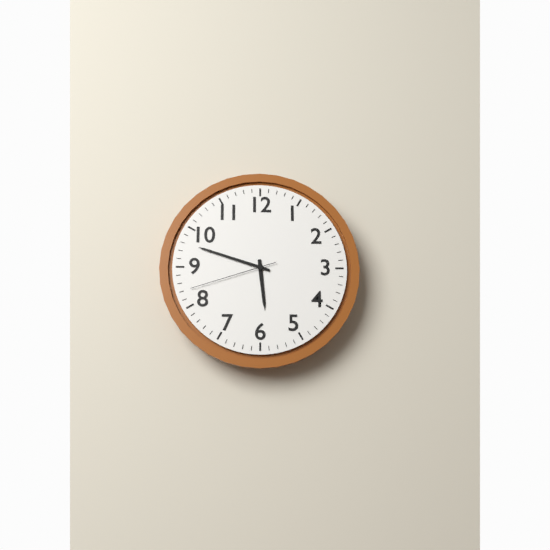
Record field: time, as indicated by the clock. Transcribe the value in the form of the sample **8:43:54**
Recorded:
**5:48:42**
